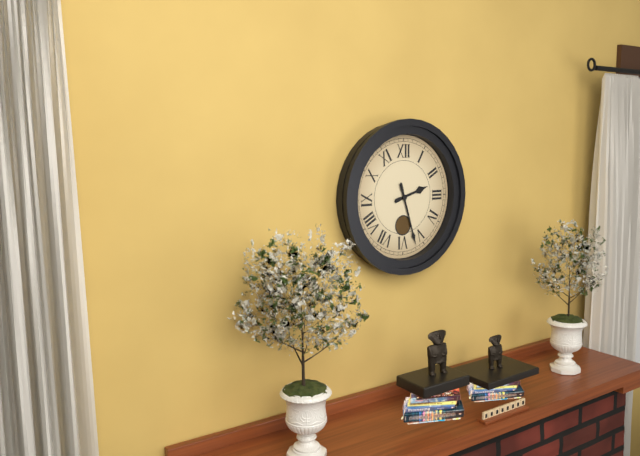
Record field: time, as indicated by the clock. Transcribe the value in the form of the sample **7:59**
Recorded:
**2:27**
